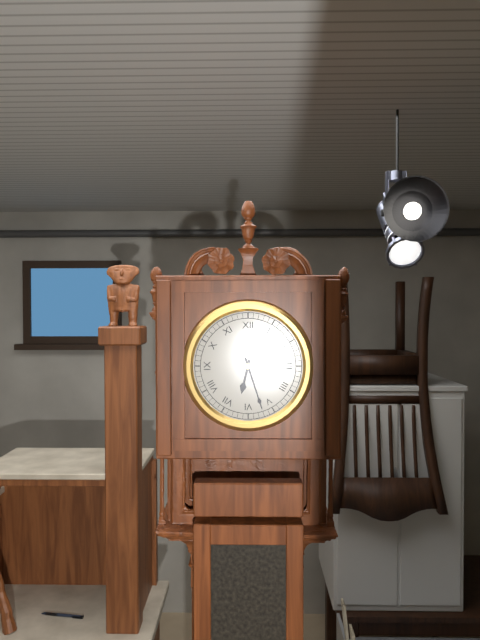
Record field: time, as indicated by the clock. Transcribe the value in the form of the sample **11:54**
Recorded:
**6:27**
